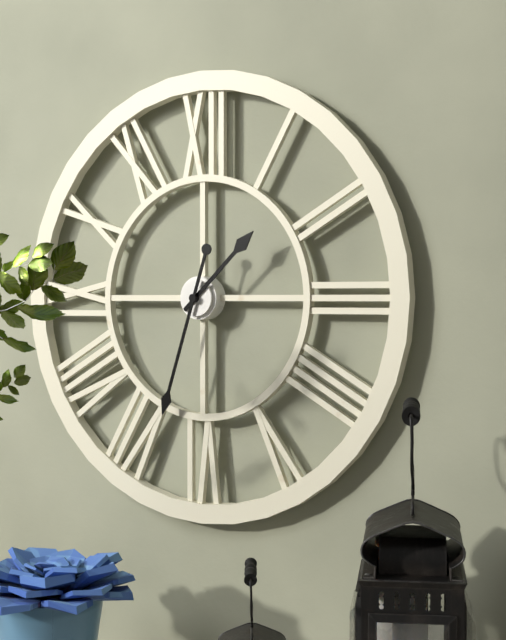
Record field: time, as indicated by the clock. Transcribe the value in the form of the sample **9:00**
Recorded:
**1:33**
